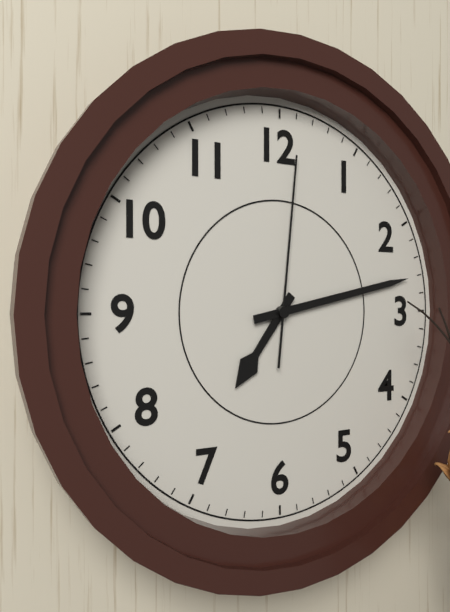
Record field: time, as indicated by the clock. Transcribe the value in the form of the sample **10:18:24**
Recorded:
**7:13:01**
